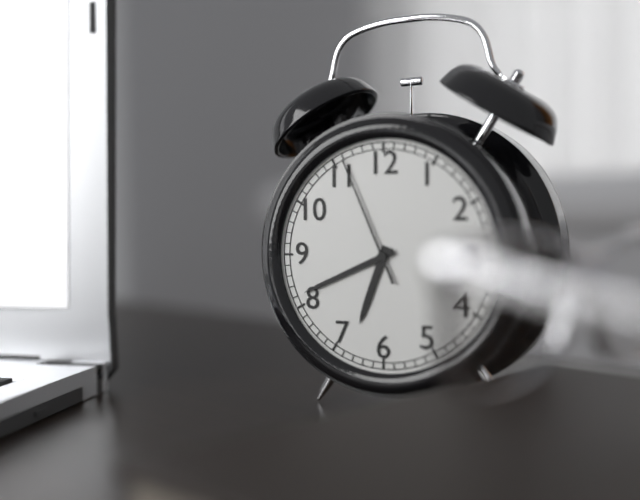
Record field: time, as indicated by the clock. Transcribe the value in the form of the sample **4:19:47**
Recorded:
**6:41:56**
